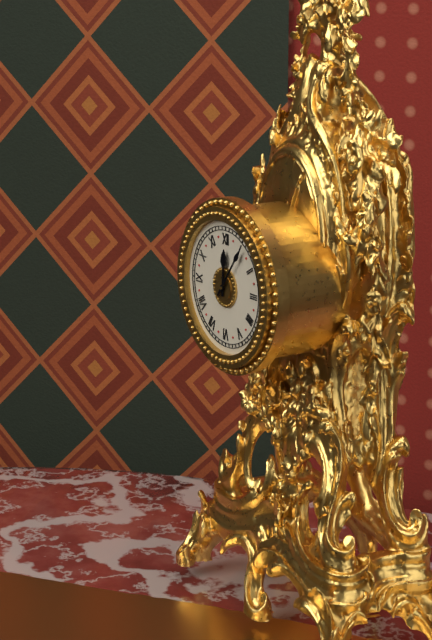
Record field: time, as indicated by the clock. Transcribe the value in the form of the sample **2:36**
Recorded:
**12:06**
